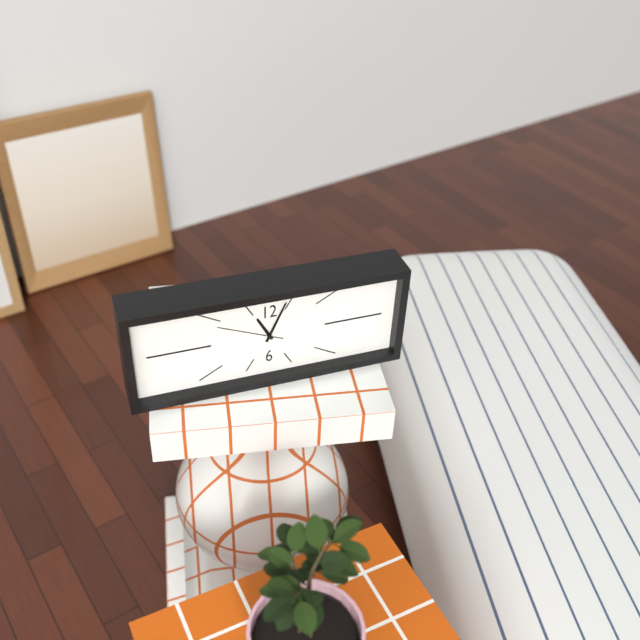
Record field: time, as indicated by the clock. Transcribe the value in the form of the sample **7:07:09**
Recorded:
**11:04:49**
